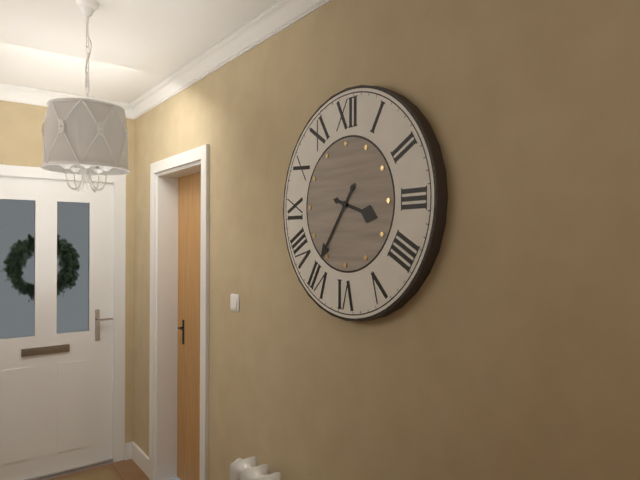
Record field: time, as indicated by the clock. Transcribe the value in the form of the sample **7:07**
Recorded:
**3:36**
